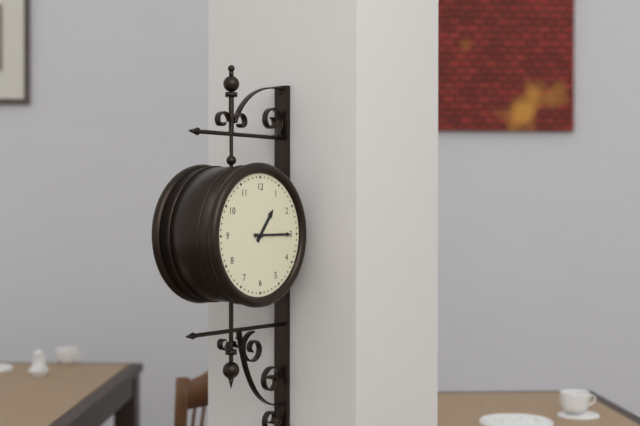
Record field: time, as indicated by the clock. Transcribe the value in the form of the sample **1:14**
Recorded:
**1:15**
